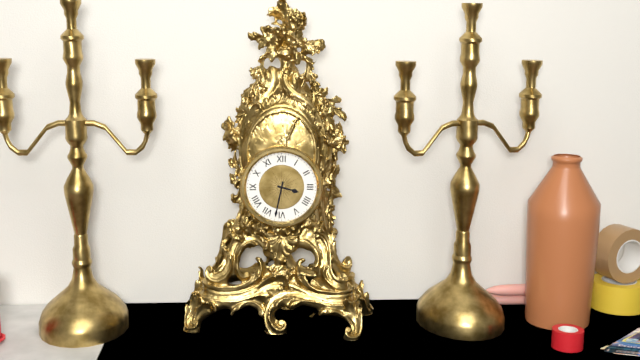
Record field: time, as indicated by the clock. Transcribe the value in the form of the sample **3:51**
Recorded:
**3:32**
